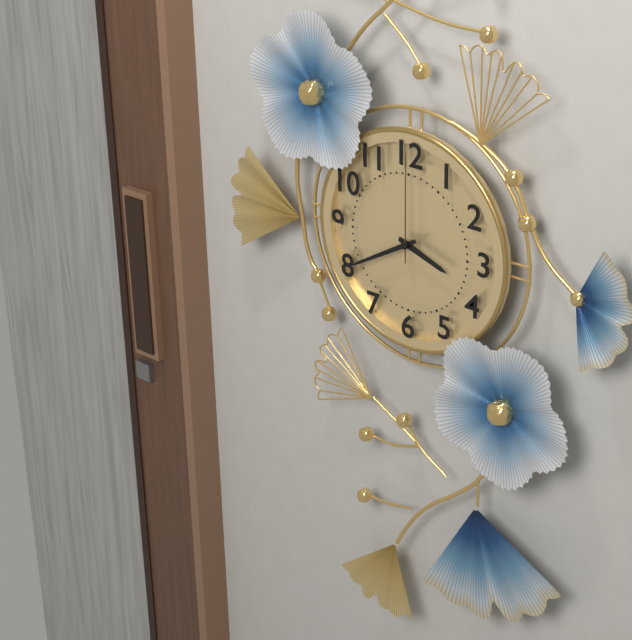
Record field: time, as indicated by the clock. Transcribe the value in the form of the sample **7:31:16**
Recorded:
**3:40:00**
